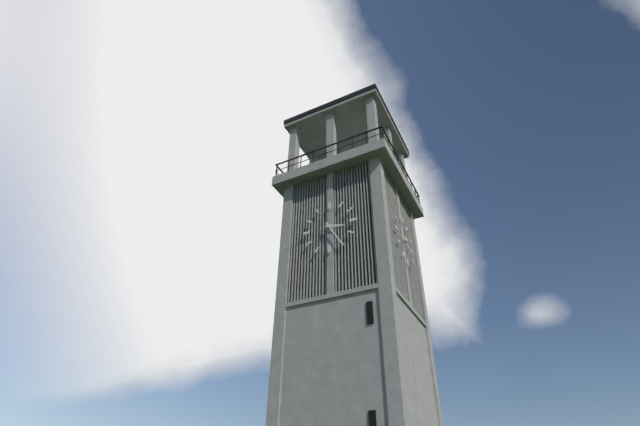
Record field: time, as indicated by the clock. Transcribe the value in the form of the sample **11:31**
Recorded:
**3:25**
